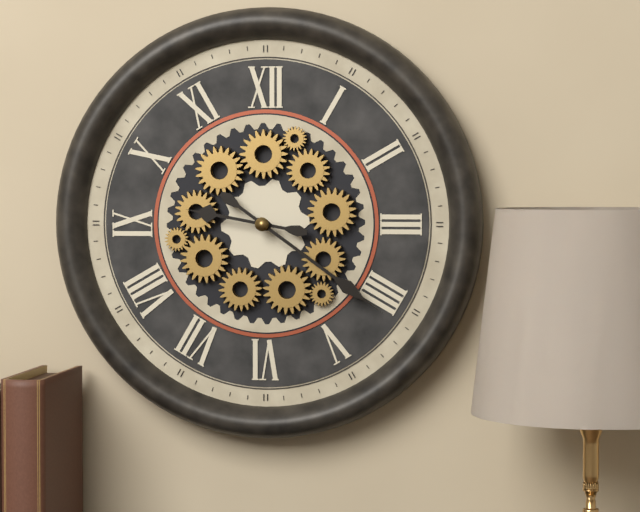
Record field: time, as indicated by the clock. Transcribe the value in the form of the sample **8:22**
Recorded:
**9:21**
